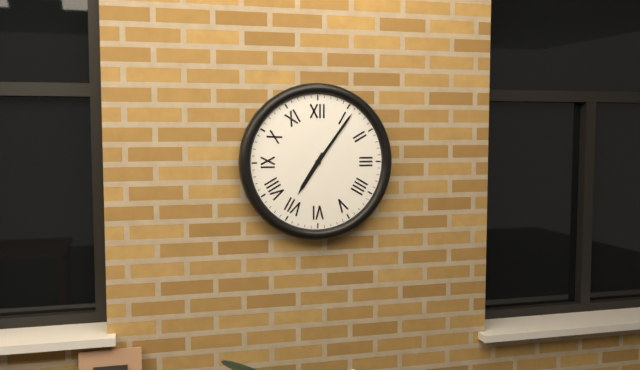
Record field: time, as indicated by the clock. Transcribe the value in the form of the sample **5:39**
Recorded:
**7:06**
